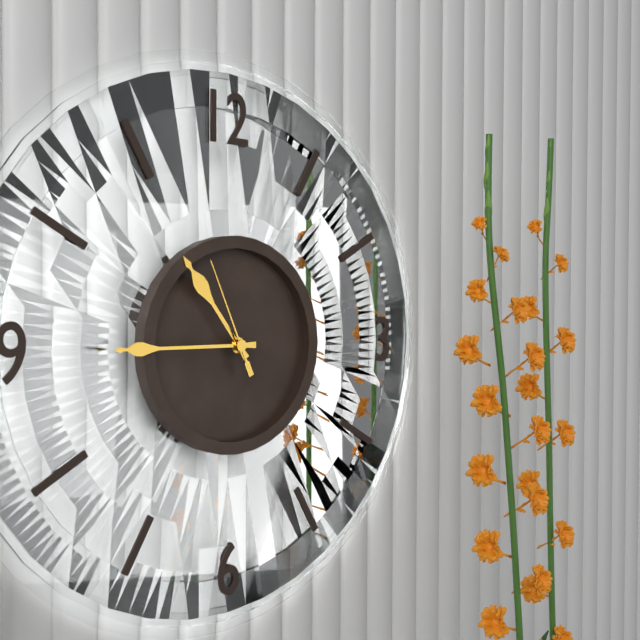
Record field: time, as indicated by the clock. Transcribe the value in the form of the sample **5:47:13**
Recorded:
**10:45:56**
